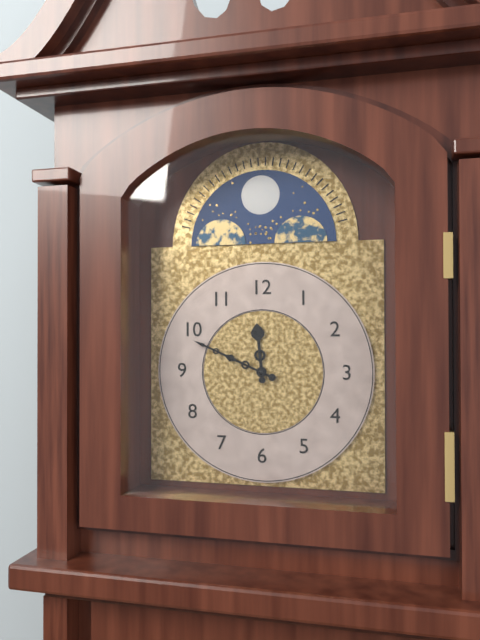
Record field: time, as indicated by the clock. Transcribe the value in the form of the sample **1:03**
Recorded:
**11:49**
